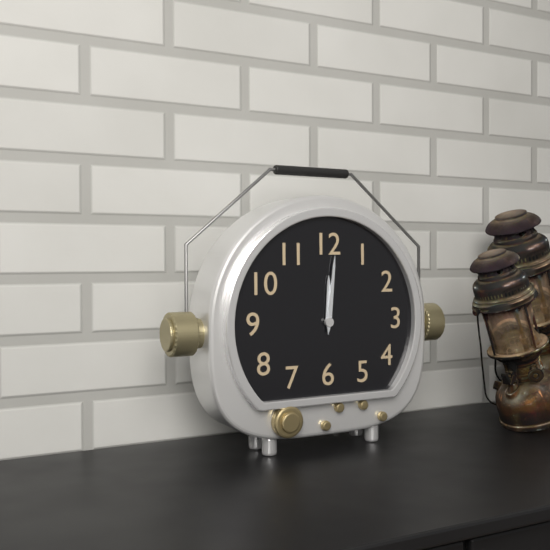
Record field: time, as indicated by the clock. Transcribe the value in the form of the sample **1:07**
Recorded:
**12:01**
